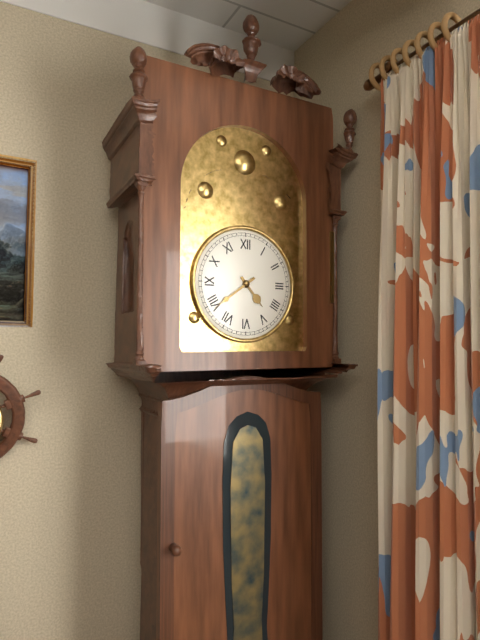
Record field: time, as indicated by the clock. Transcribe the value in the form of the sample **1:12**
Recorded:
**4:39**
